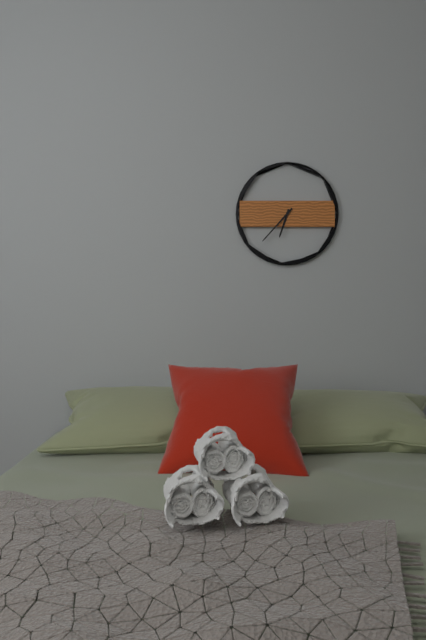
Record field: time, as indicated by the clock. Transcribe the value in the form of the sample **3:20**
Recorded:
**6:37**
